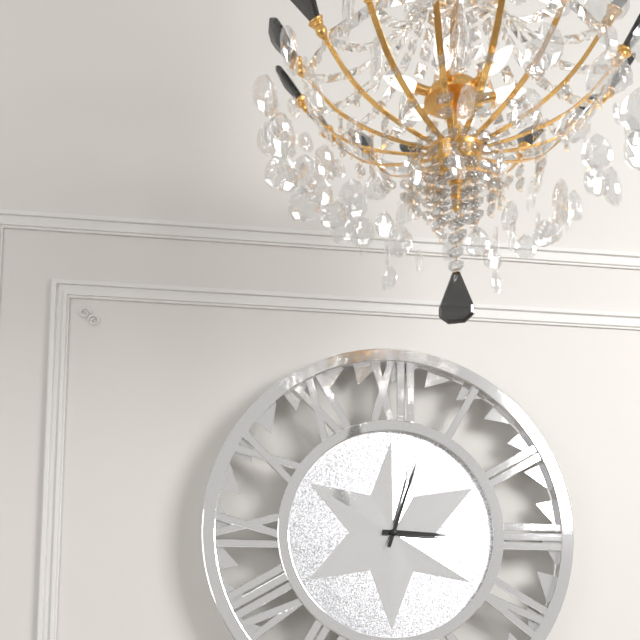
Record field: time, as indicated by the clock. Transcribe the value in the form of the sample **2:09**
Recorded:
**3:03**
